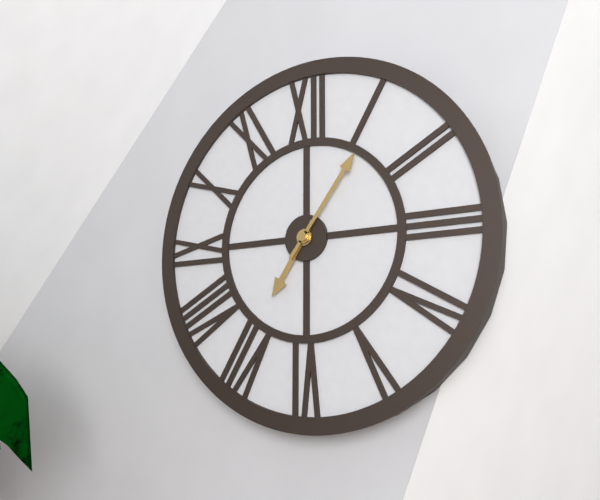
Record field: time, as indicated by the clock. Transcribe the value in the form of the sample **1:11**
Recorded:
**7:06**
